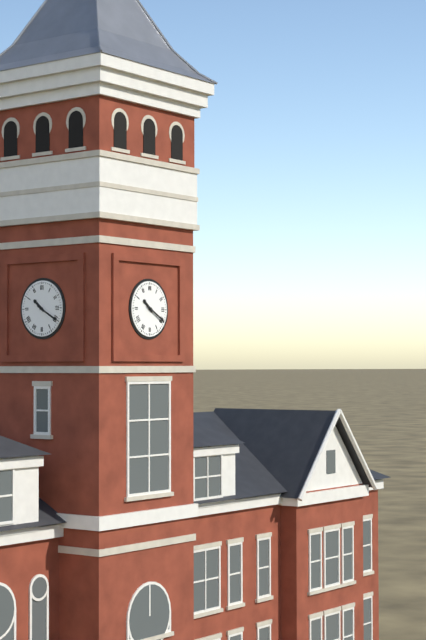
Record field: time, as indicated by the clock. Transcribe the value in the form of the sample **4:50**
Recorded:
**10:20**
